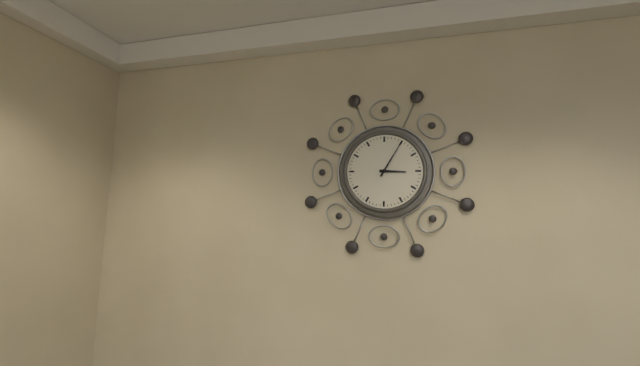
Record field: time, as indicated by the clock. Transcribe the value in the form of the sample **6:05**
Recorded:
**3:05**
